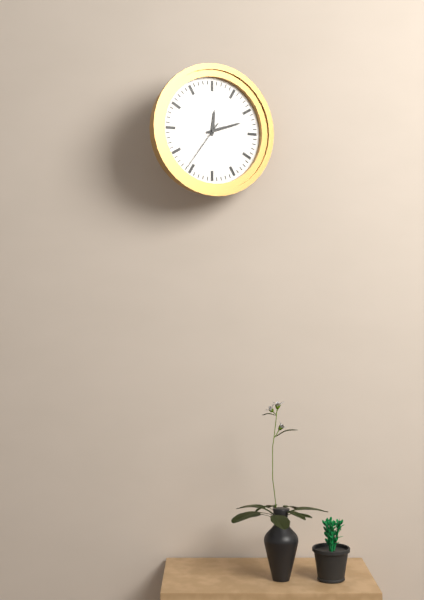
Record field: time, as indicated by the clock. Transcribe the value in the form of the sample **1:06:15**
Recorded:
**12:12:36**
